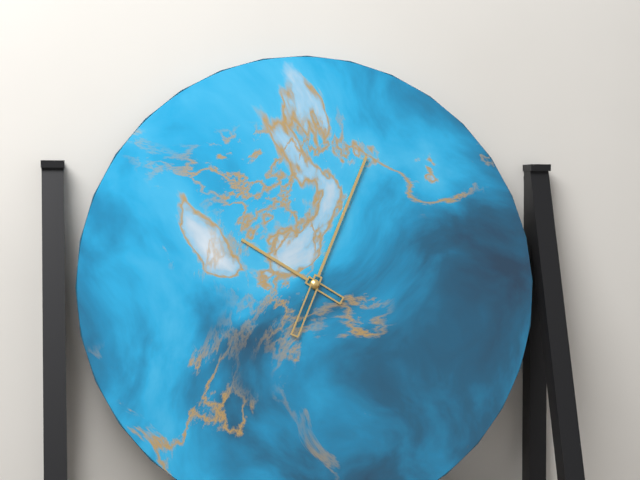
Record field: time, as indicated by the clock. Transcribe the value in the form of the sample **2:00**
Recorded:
**10:04**
